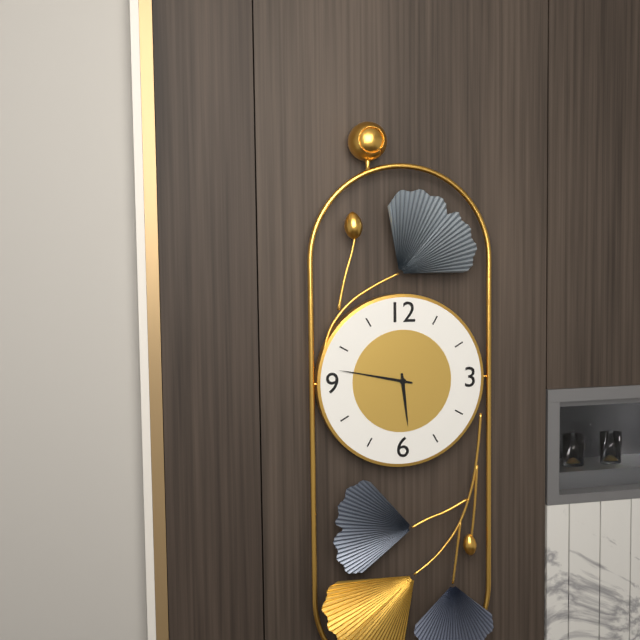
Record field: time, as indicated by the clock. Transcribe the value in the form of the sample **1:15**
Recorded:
**5:47**
